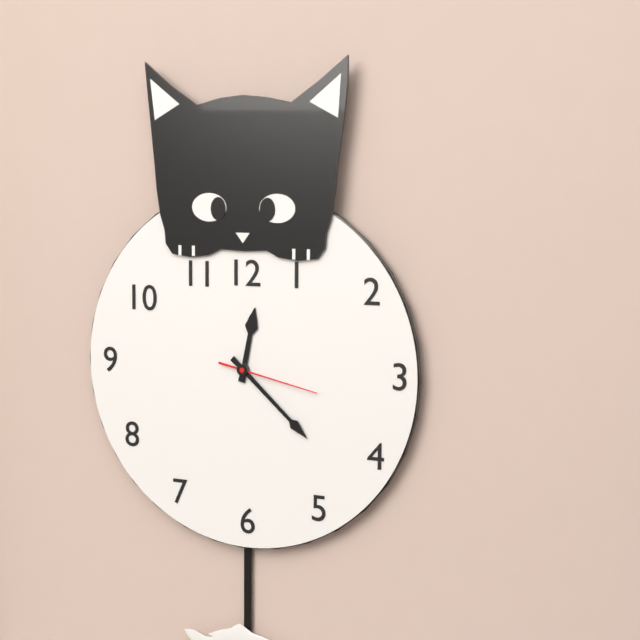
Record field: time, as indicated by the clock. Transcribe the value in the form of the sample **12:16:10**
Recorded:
**12:22:17**
